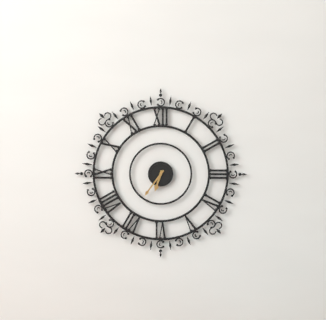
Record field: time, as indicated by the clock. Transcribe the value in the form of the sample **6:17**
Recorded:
**6:36**
